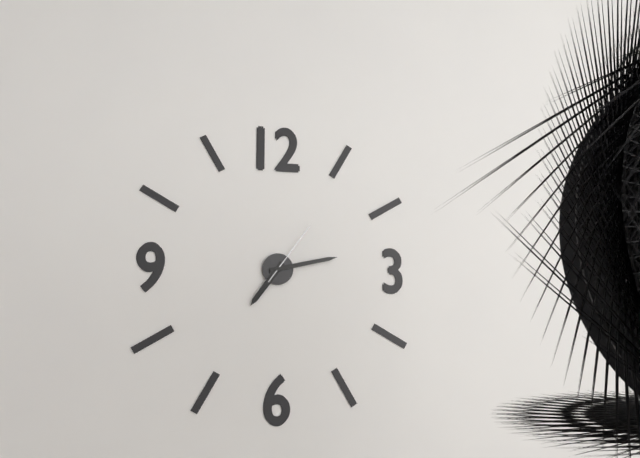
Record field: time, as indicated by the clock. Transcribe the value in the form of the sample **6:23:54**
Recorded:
**7:13:06**
